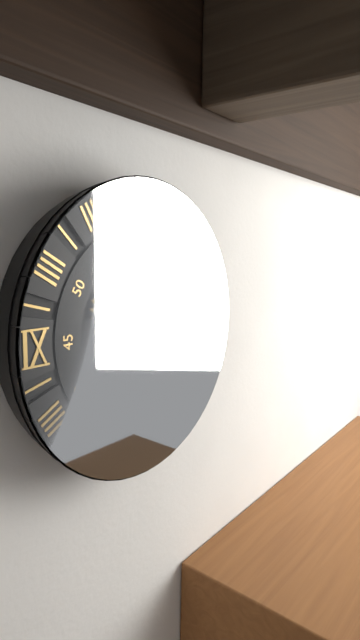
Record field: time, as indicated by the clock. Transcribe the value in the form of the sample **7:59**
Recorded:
**5:30**
